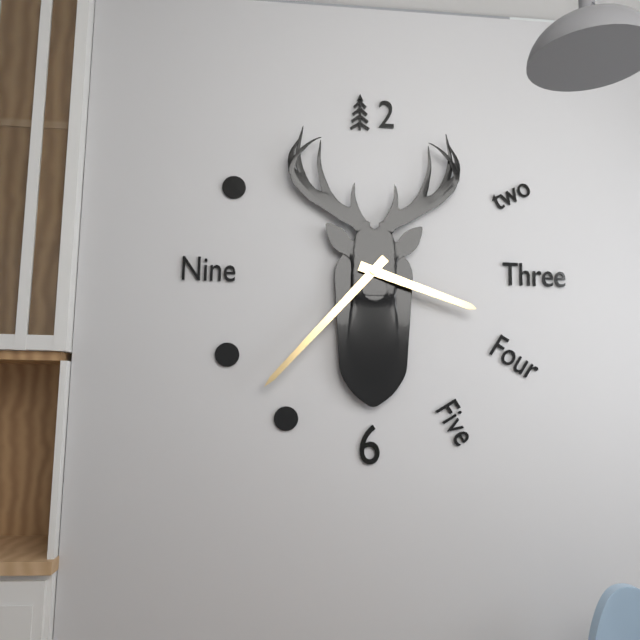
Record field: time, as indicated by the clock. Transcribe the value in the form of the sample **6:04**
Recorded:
**3:37**
